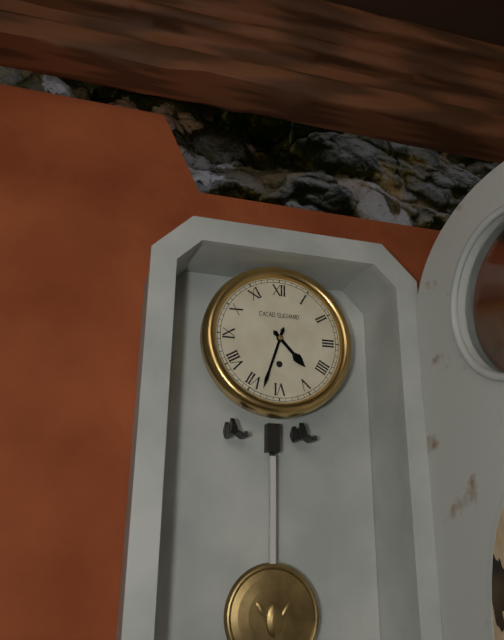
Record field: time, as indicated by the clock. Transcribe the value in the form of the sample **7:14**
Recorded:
**4:33**
